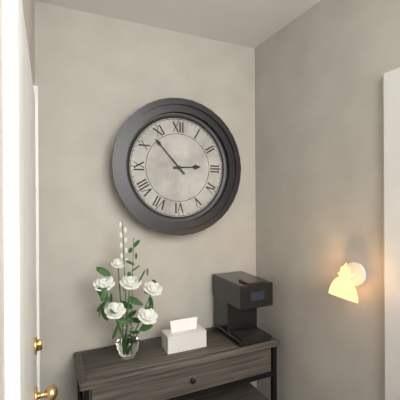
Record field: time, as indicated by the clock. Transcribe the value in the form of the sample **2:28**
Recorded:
**2:53**
